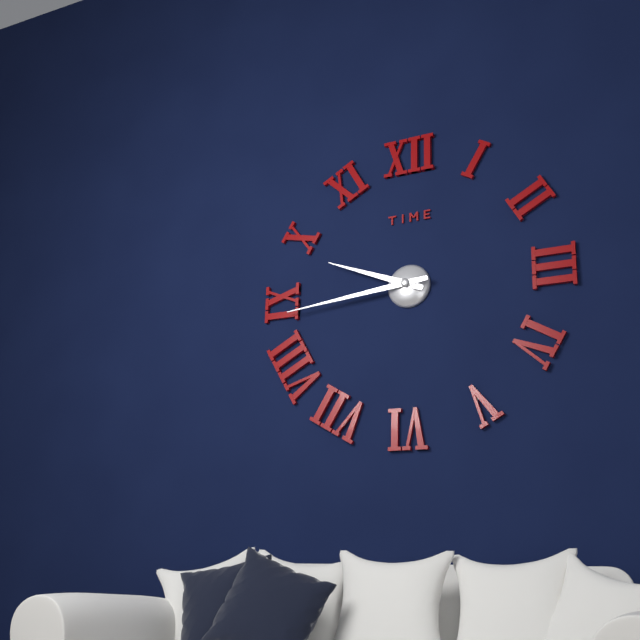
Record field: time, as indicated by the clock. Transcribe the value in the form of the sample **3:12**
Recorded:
**9:44**
